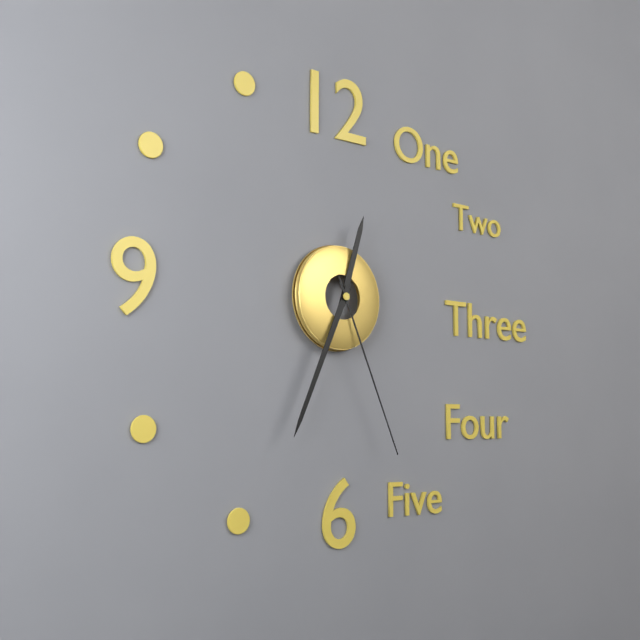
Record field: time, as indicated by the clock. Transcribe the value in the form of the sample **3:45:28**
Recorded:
**12:34:26**
